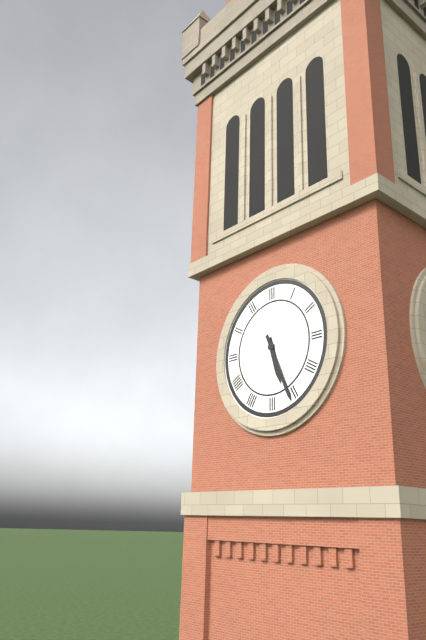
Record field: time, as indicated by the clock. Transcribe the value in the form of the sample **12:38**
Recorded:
**5:26**
